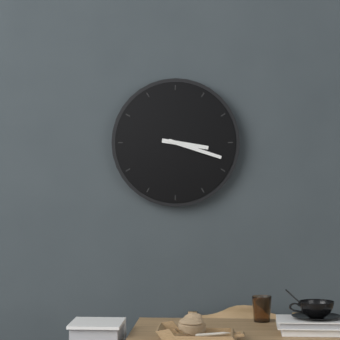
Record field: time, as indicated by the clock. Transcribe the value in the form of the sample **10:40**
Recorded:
**3:18**
